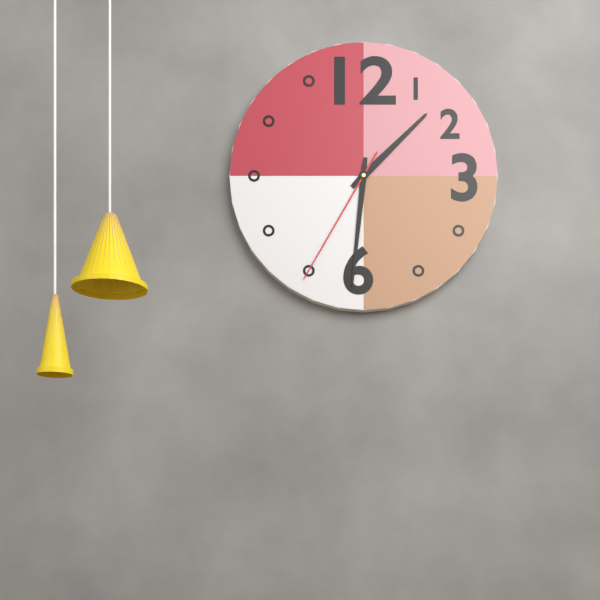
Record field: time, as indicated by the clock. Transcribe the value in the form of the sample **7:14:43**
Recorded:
**1:31:35**
